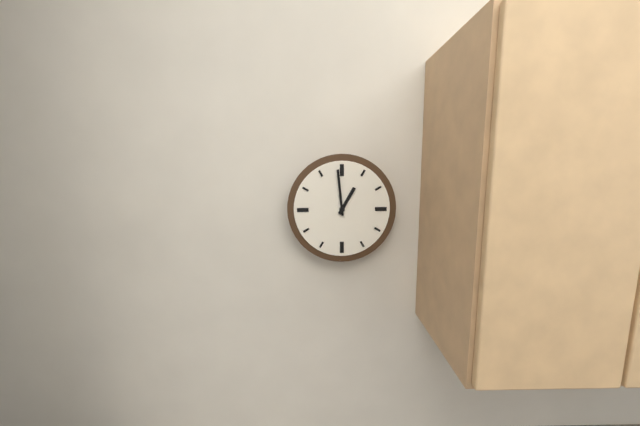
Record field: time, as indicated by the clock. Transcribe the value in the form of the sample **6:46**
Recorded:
**12:59**
